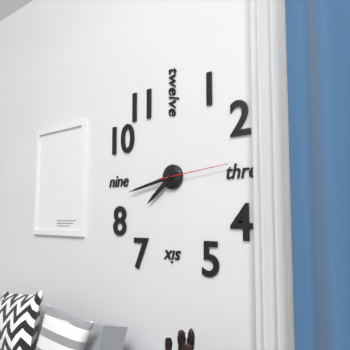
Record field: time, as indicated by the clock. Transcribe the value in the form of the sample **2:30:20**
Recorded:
**7:43:14**
